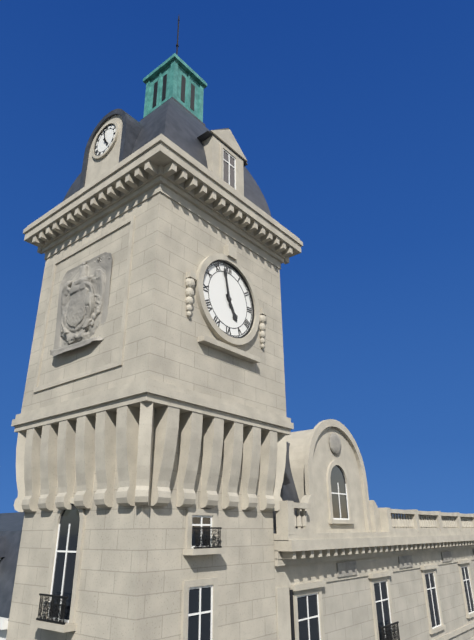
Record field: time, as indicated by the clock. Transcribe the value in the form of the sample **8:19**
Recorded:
**4:58**
